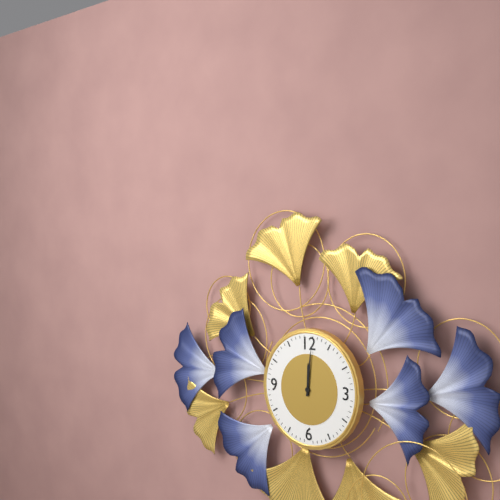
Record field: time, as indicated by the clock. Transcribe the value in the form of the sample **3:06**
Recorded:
**12:01**
